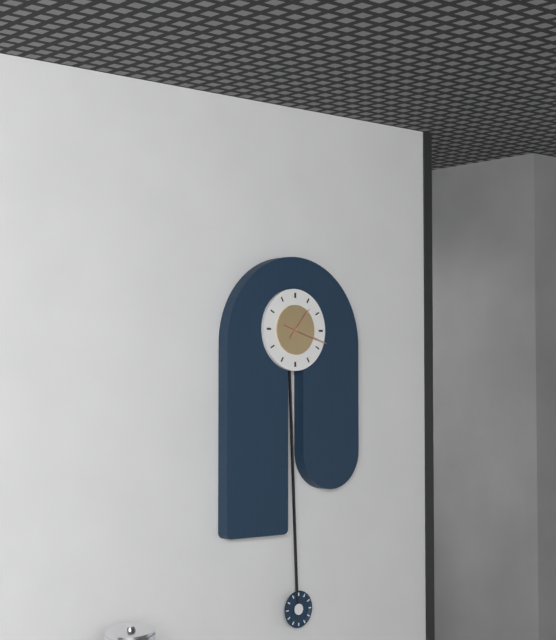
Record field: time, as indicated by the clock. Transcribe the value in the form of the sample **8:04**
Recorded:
**1:18**
